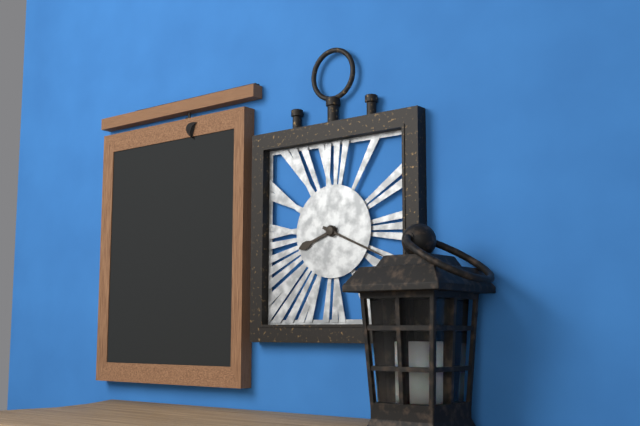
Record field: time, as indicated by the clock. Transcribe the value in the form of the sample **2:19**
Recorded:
**8:19**
